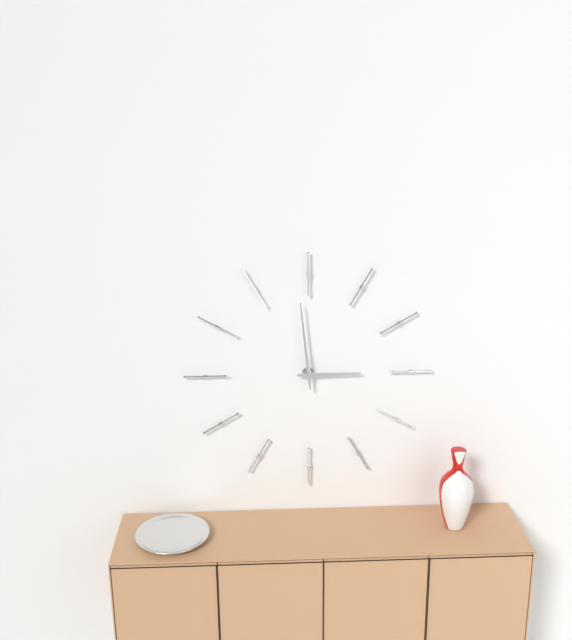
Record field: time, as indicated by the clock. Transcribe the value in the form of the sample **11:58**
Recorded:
**2:59**
